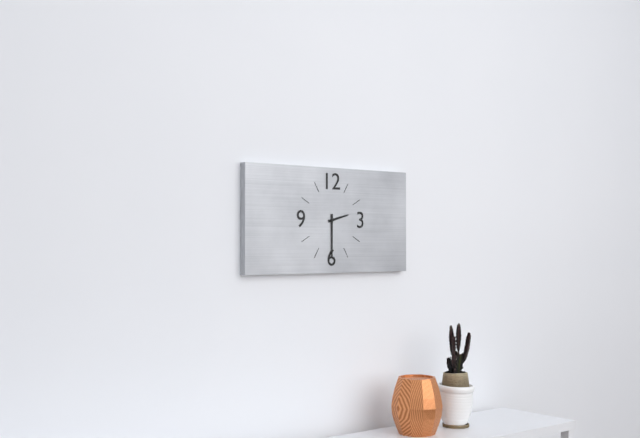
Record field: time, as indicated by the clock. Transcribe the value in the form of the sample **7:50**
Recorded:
**2:30**
